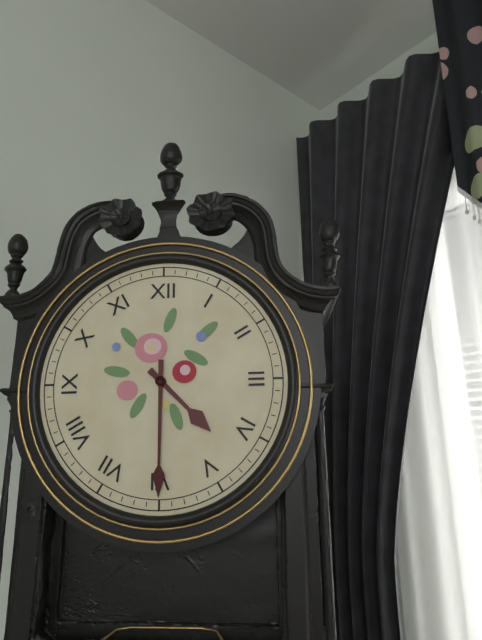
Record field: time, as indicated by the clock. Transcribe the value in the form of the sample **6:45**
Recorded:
**4:30**
